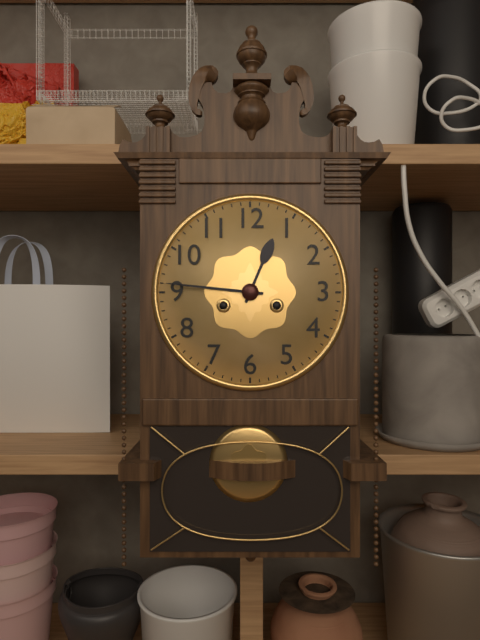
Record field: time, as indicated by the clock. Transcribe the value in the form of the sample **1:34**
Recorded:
**12:46**
